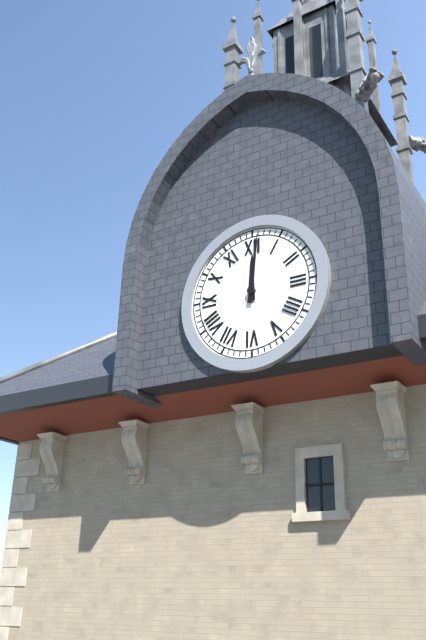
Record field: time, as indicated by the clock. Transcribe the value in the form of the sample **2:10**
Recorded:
**12:01**
